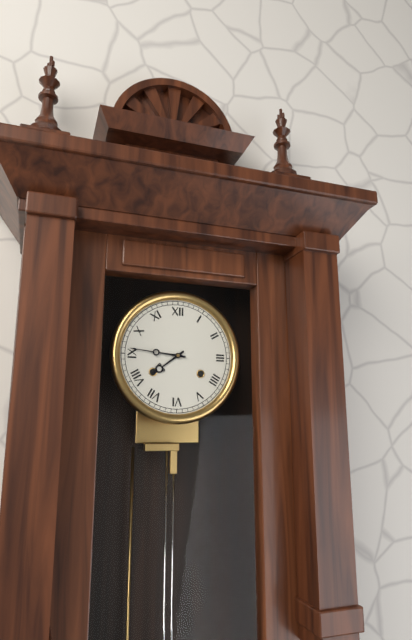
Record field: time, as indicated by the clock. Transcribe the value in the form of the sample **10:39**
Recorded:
**7:46**
